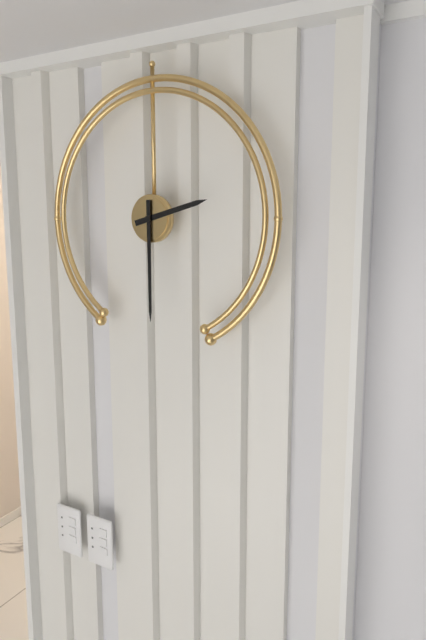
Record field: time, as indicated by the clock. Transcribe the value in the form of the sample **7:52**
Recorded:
**2:30**
